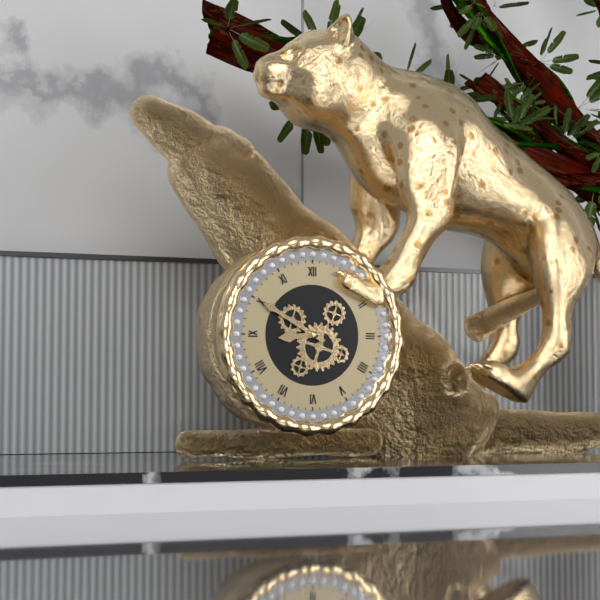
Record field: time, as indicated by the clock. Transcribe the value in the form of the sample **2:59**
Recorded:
**8:50**
